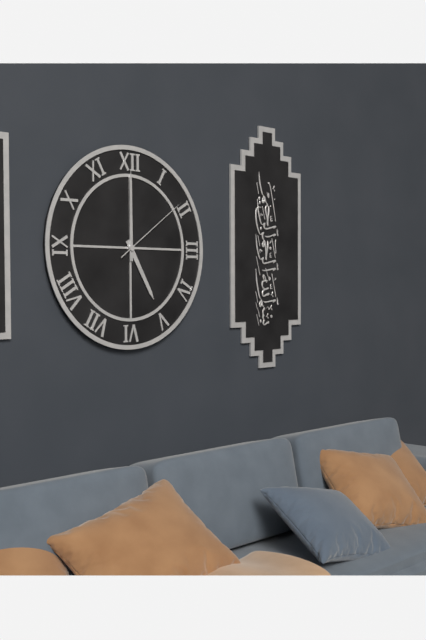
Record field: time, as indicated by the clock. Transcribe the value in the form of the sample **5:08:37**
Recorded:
**5:00:09**
